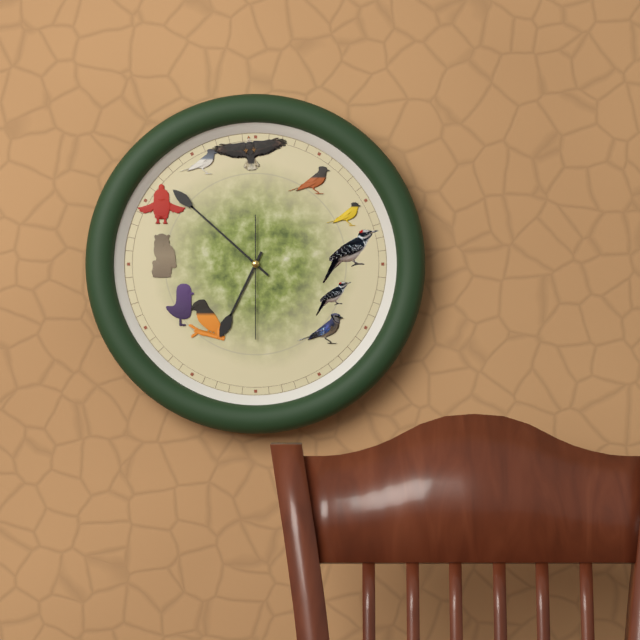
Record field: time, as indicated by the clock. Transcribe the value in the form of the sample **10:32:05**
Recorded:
**6:52:30**
